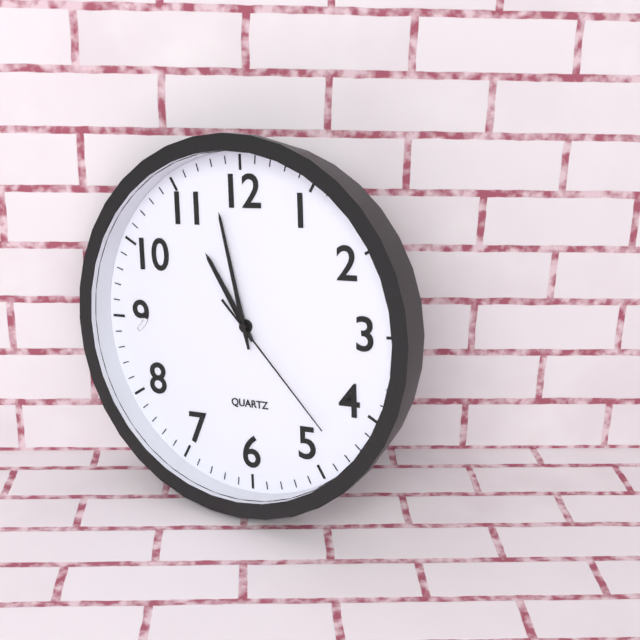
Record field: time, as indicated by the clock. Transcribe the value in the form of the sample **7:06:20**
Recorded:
**10:58:23**
